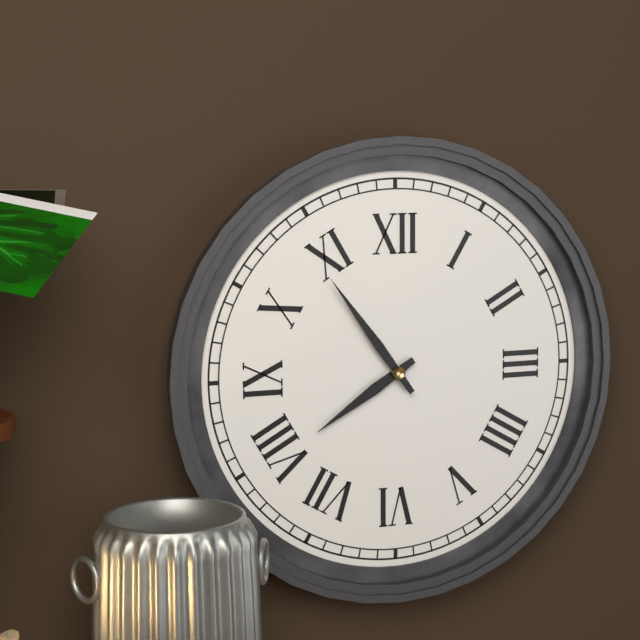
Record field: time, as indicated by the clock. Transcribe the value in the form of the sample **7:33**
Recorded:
**7:54**
